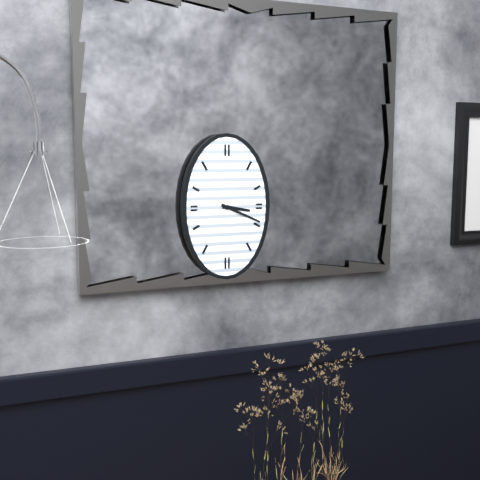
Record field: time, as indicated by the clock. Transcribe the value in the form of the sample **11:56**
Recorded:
**3:19**
